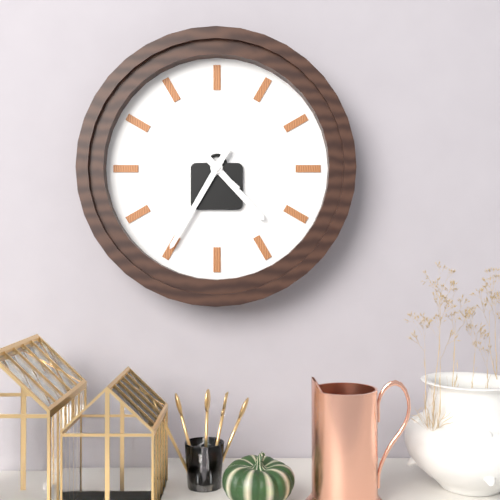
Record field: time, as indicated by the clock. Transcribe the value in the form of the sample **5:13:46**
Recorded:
**4:35:52**
